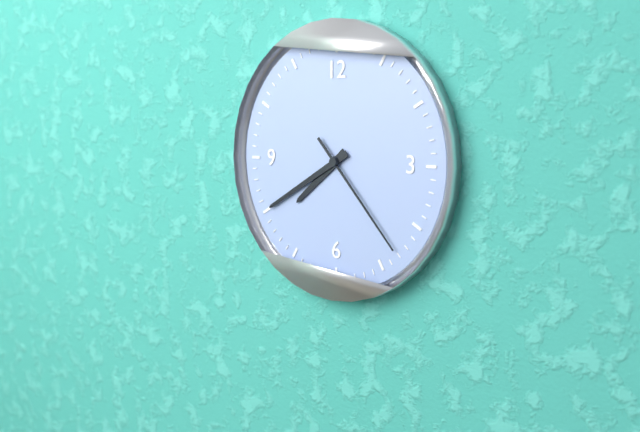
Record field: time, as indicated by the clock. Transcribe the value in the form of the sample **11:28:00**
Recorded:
**7:40:23**
